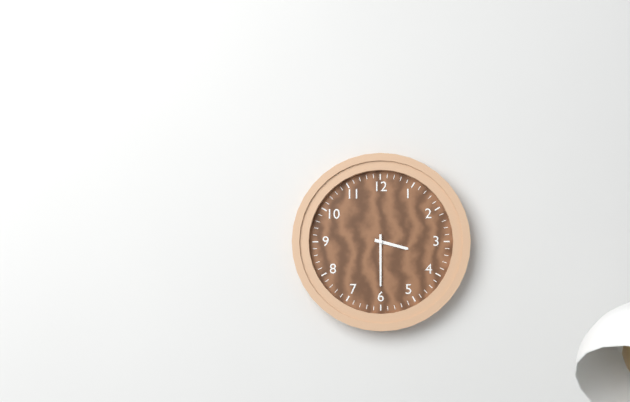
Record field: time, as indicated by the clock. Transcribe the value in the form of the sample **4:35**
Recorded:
**3:30**
